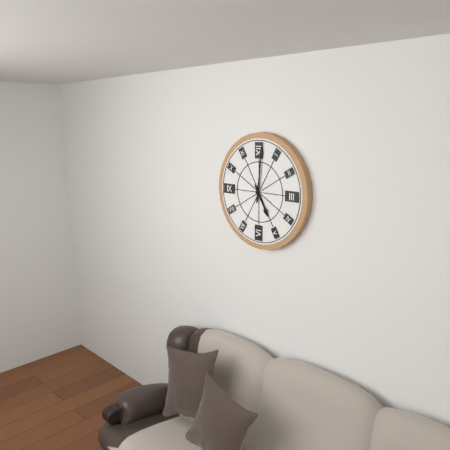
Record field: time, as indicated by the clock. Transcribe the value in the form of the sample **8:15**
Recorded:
**5:01**
